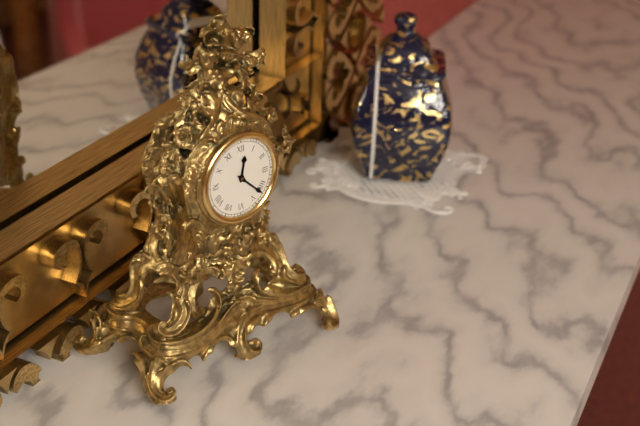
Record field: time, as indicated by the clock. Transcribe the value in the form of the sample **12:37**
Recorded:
**12:22**
